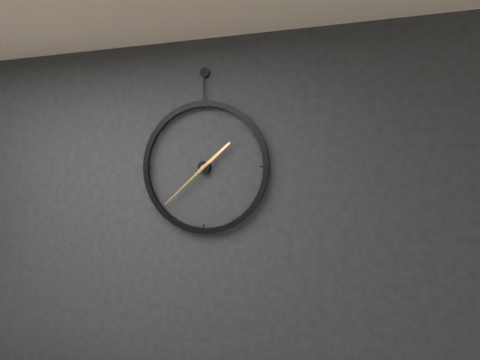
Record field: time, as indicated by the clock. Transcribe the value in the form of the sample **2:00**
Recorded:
**1:38**
